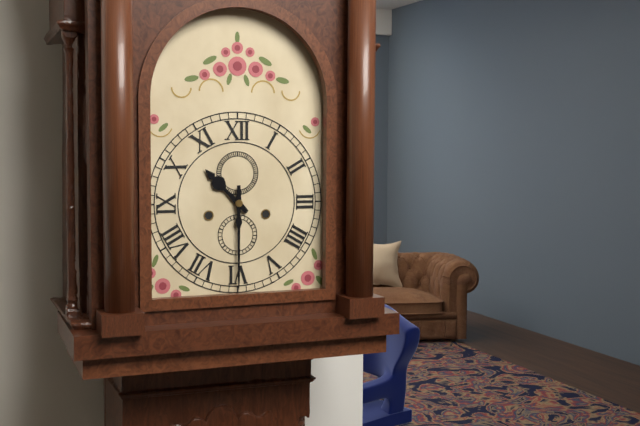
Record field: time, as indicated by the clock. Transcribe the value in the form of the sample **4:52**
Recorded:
**10:30**
